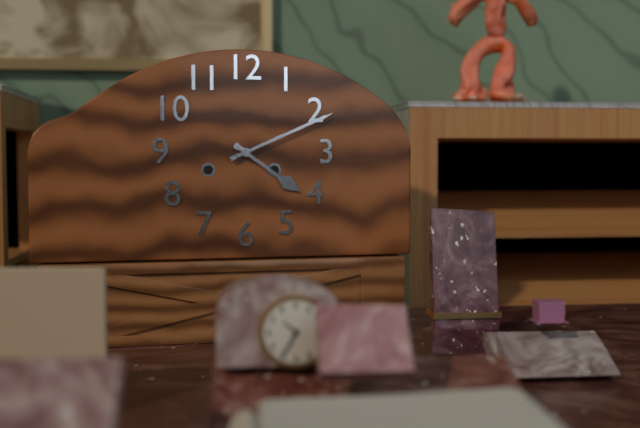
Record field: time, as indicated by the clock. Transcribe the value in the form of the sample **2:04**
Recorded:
**4:11**
